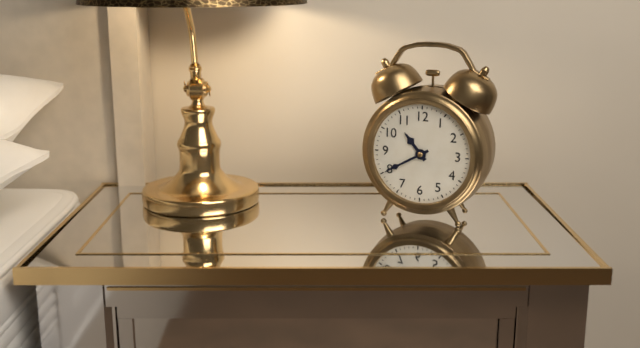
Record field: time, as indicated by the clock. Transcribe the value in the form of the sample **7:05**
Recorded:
**10:40**
